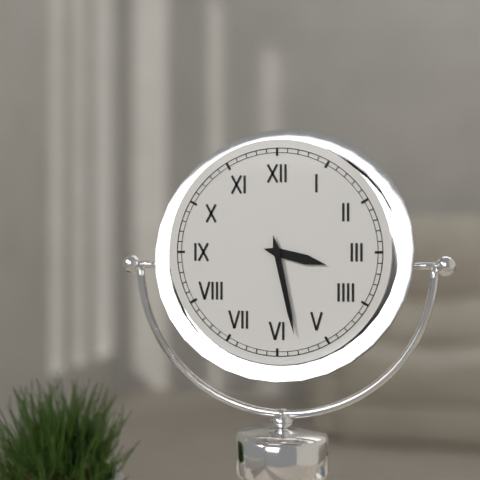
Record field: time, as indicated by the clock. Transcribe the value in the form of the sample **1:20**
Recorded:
**3:28**
